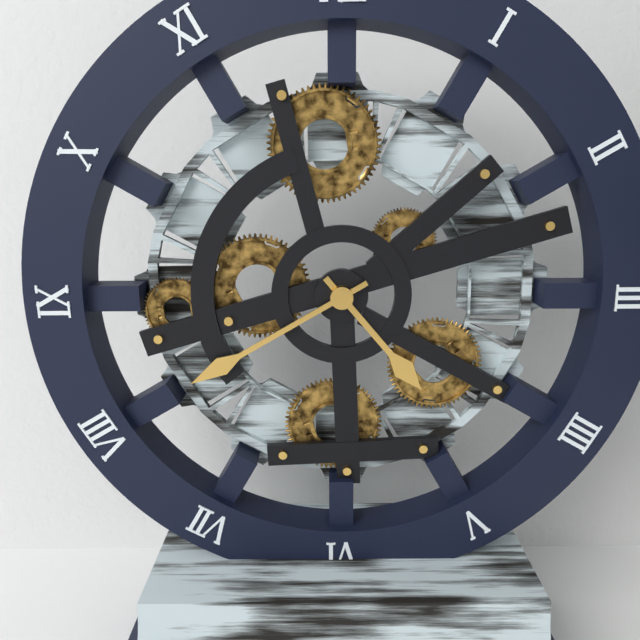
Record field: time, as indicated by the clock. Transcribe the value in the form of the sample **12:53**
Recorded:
**4:40**
